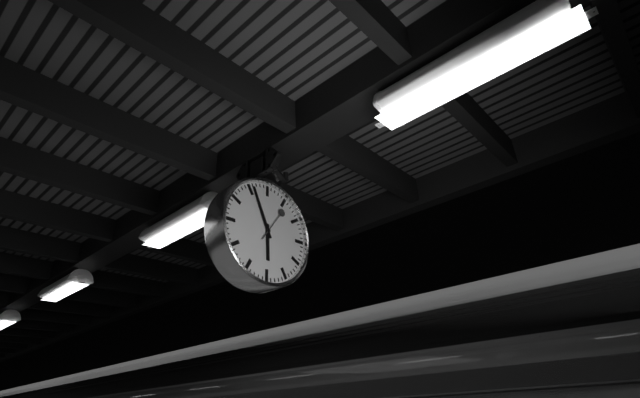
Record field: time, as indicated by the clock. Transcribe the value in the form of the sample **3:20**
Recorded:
**5:56**
